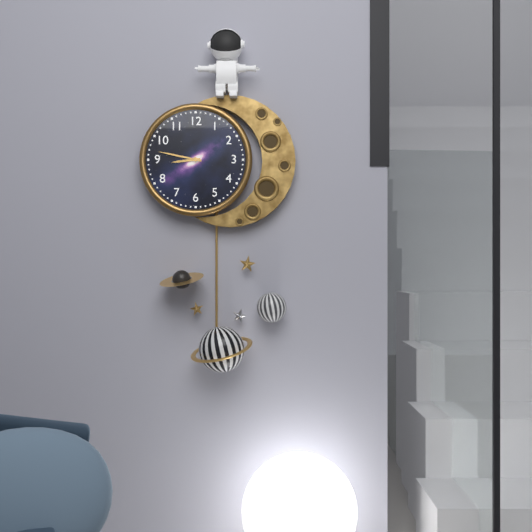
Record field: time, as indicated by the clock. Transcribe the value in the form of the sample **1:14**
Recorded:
**8:47**
